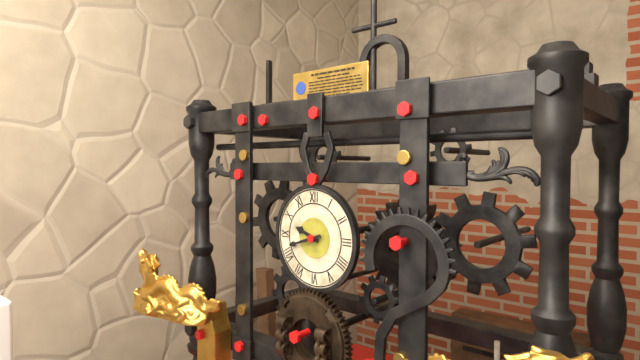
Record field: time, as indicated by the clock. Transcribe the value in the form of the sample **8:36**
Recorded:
**9:42**
